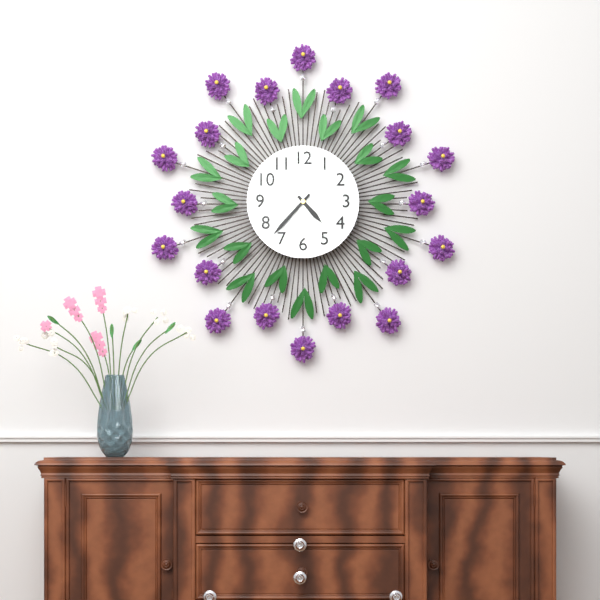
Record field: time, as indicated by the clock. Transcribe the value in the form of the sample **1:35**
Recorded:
**4:37**
